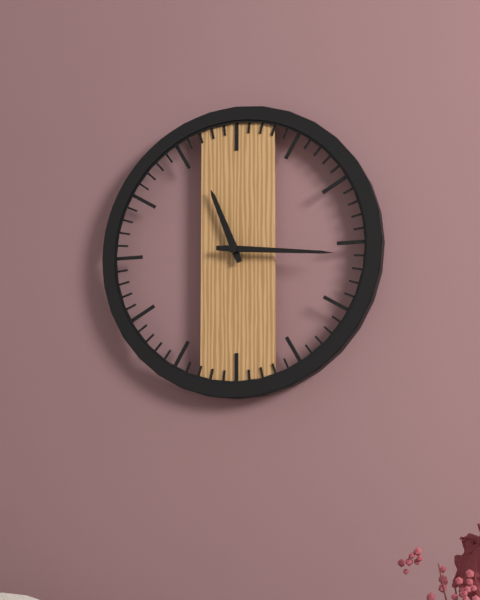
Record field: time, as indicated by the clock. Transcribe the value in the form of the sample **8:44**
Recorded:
**11:16**
